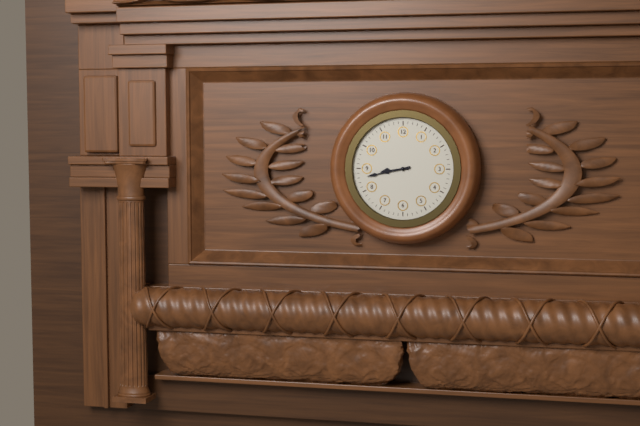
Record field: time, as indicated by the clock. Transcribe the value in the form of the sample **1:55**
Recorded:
**8:43**
